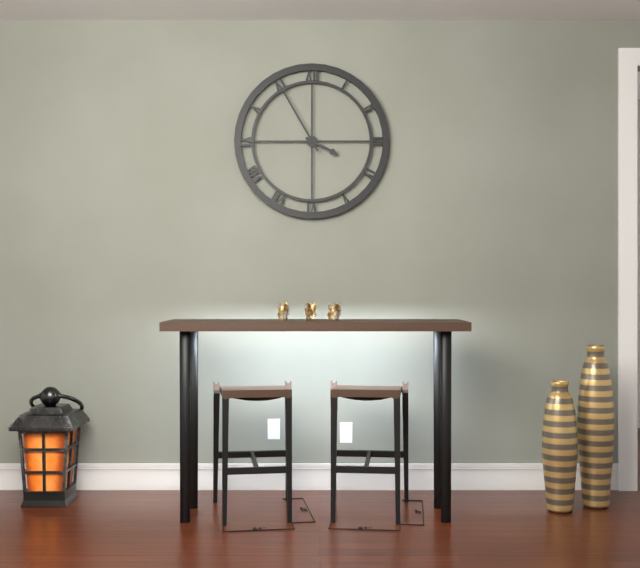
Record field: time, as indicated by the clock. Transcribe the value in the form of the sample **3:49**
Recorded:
**3:55**
